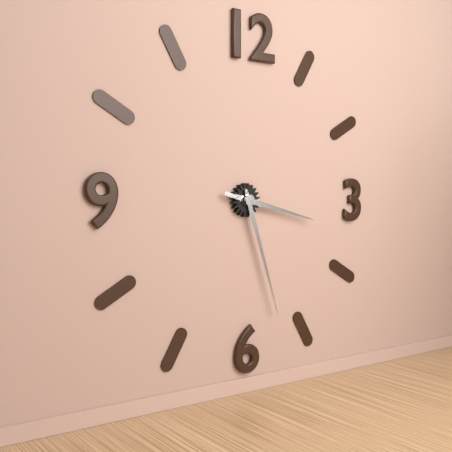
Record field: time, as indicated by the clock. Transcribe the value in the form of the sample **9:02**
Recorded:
**3:27**
